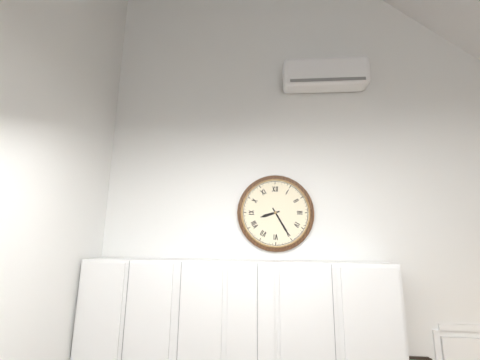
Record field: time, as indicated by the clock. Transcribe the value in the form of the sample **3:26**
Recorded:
**8:25**
